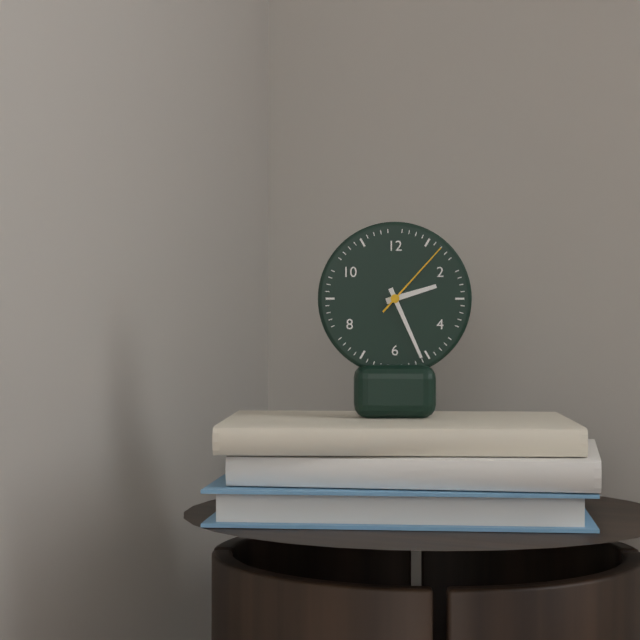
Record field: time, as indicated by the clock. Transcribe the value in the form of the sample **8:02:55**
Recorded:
**2:26:07**
